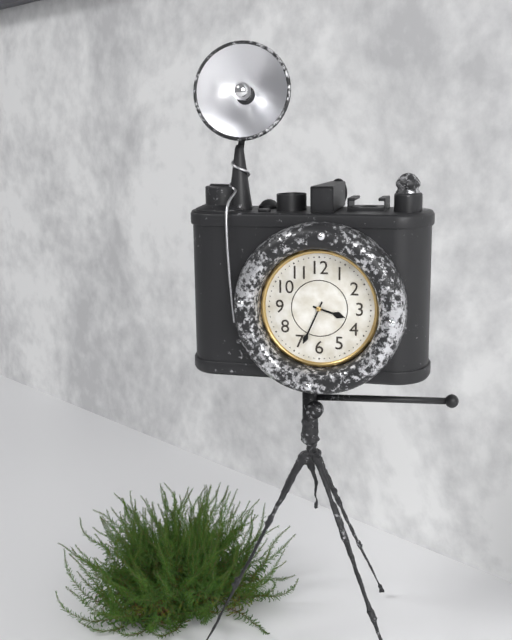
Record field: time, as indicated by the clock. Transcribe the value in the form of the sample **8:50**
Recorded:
**3:34**
